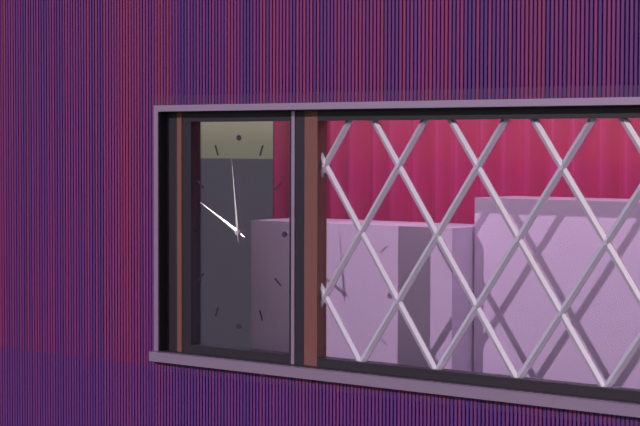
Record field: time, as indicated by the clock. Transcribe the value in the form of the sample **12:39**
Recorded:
**9:59**
